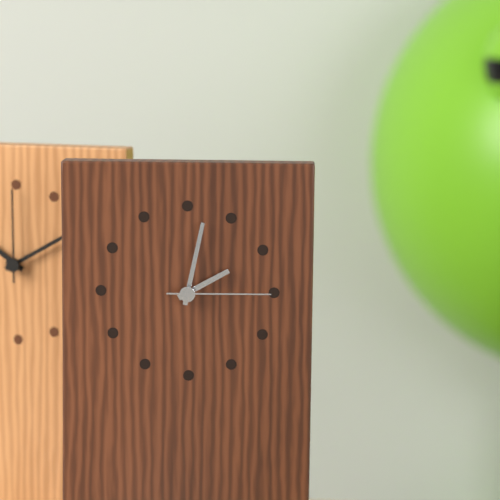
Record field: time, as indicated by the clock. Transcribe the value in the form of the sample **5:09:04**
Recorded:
**2:02:15**
